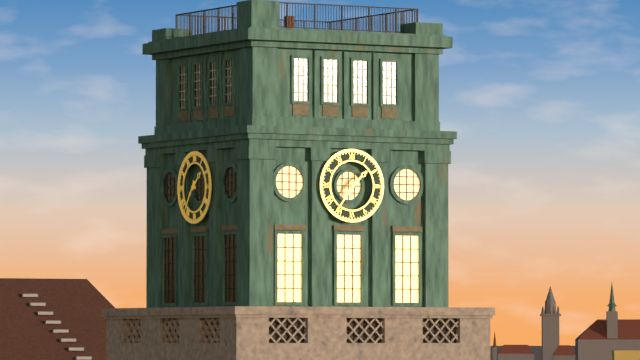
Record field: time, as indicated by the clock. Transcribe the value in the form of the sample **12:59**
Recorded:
**1:36**
